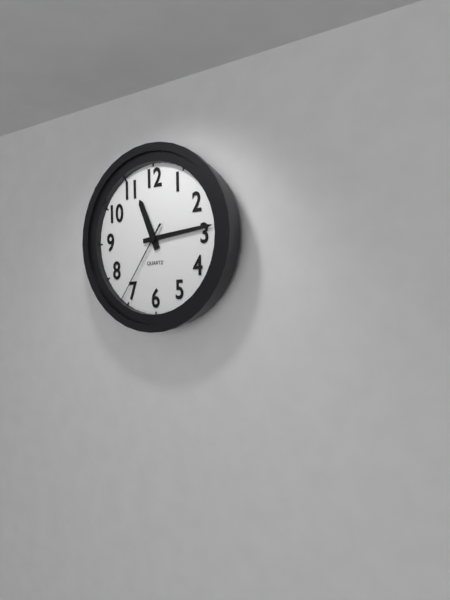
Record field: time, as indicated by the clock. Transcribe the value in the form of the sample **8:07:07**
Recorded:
**11:14:36**
